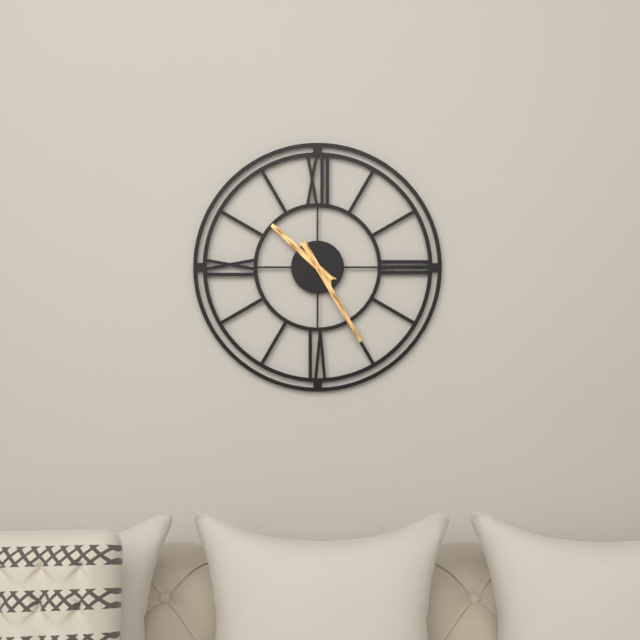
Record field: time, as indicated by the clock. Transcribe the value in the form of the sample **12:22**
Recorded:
**10:25**
